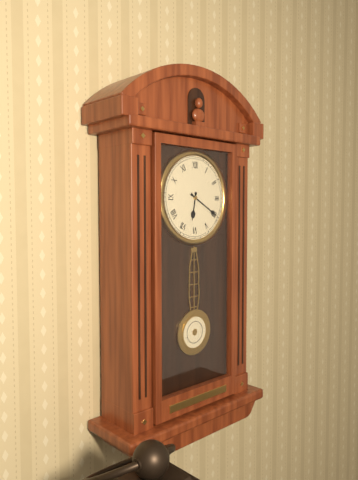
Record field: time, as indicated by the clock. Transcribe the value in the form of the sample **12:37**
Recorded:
**6:20**
